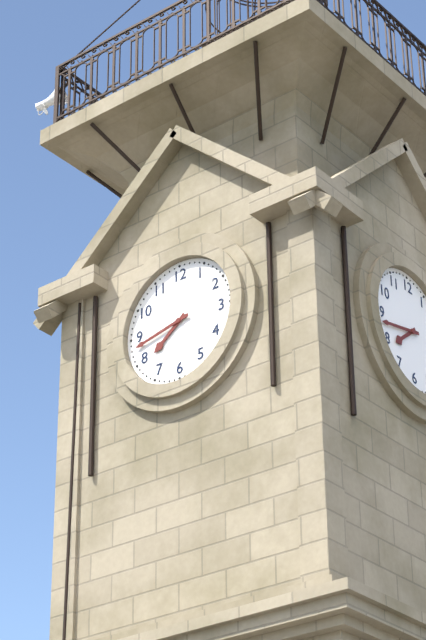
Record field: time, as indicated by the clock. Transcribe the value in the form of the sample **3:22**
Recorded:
**7:43**
